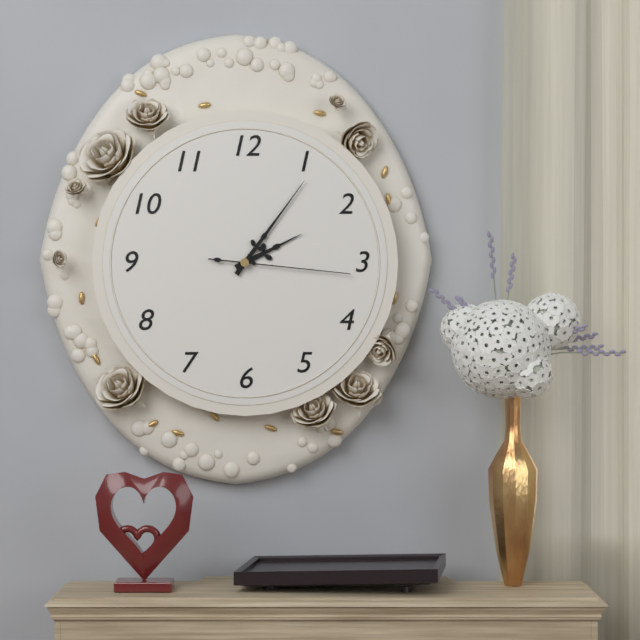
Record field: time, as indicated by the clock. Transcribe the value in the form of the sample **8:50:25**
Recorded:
**2:06:16**
